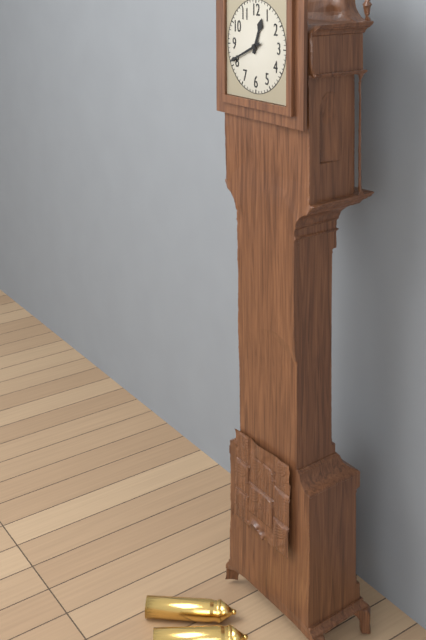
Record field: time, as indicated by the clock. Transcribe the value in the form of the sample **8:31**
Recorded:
**12:41**
